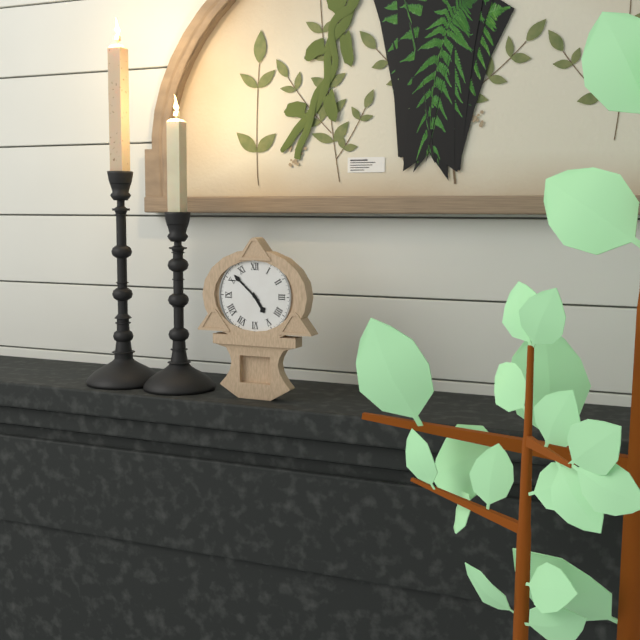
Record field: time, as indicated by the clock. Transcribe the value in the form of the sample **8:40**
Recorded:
**4:52**
